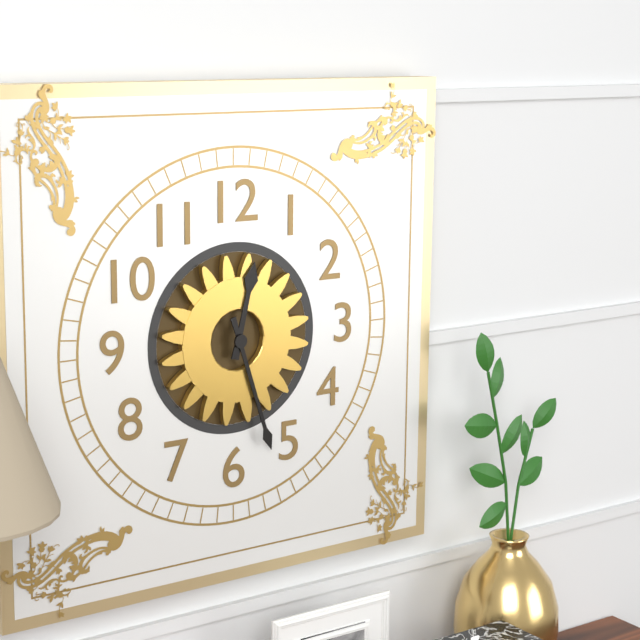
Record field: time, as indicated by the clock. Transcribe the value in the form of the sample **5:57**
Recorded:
**12:27**
